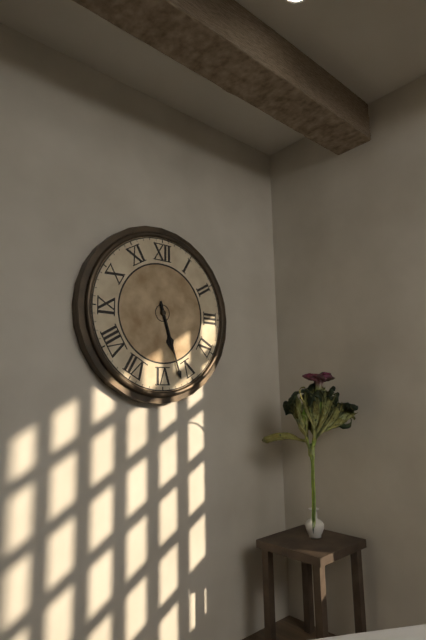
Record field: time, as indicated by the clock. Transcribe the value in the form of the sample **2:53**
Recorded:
**5:27**
